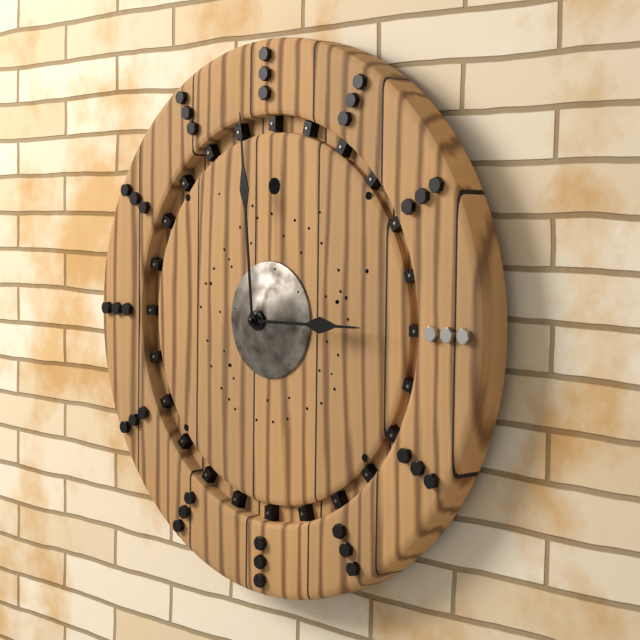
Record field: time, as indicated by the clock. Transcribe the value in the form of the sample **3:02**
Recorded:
**2:59**
